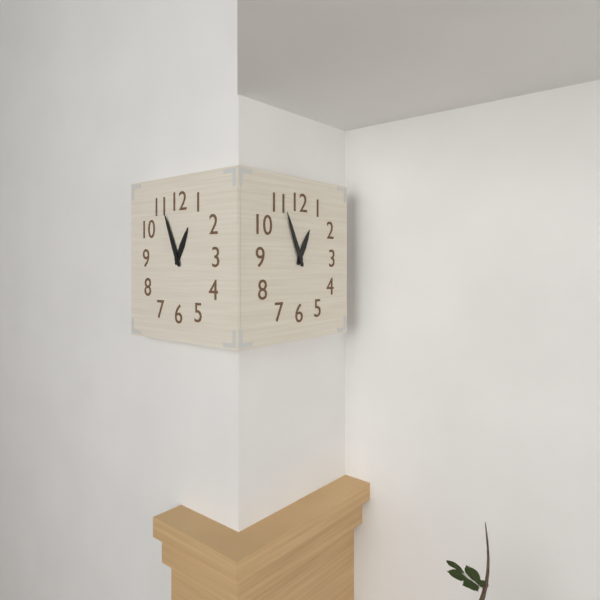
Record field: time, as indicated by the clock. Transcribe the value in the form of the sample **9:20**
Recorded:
**12:56**
